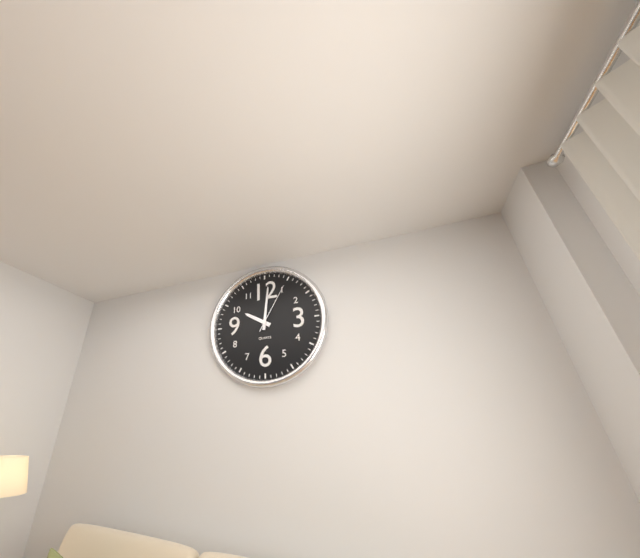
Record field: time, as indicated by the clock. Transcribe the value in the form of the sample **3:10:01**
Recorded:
**10:01:05**
